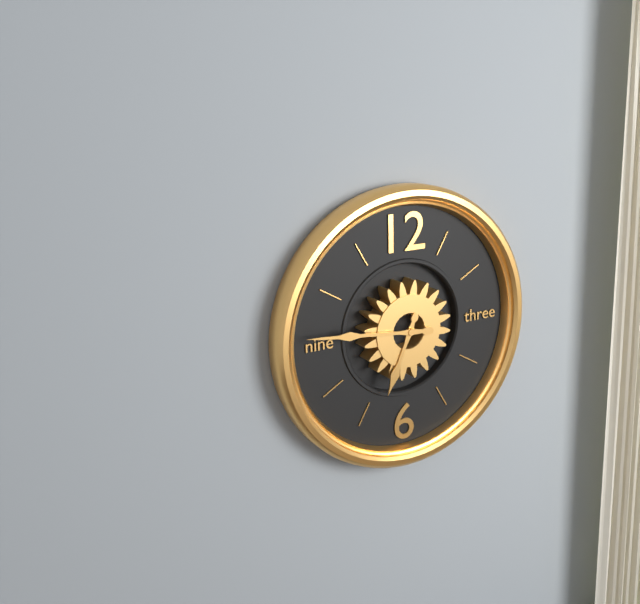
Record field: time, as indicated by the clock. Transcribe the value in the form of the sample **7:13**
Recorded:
**6:46**
